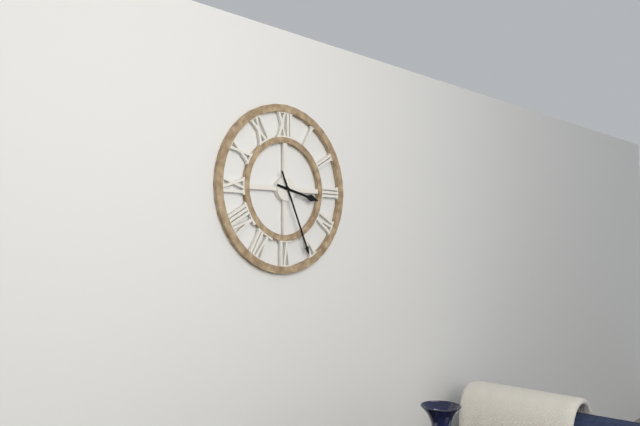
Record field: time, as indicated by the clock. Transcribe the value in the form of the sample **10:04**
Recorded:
**3:26**
